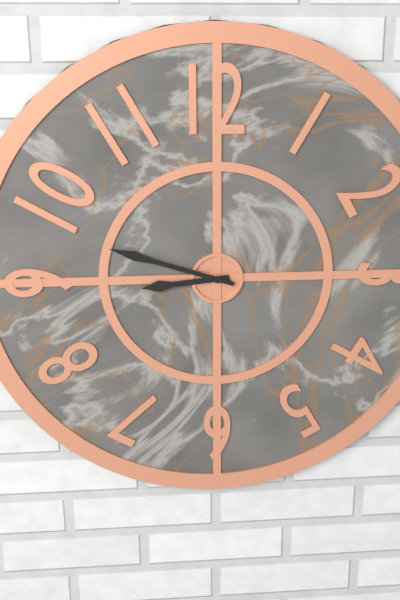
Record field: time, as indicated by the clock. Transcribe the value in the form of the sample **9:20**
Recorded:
**8:48**
